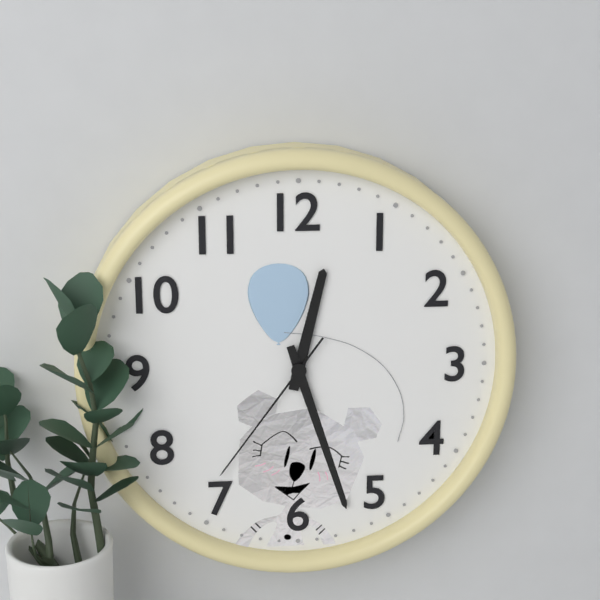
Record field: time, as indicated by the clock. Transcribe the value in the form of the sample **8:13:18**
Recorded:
**12:27:36**
